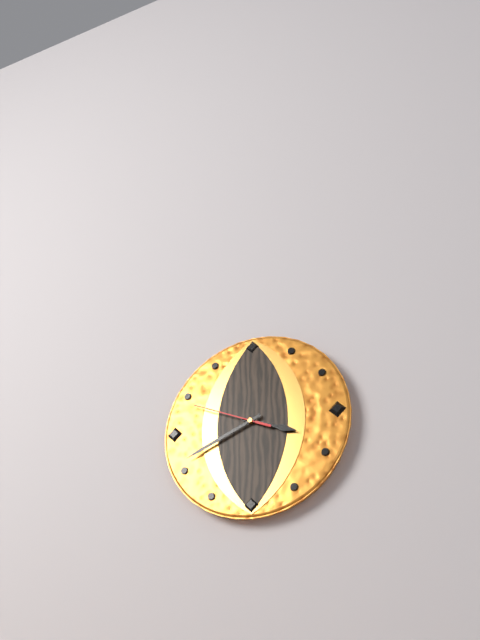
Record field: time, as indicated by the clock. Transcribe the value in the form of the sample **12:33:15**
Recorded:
**3:41:49**
